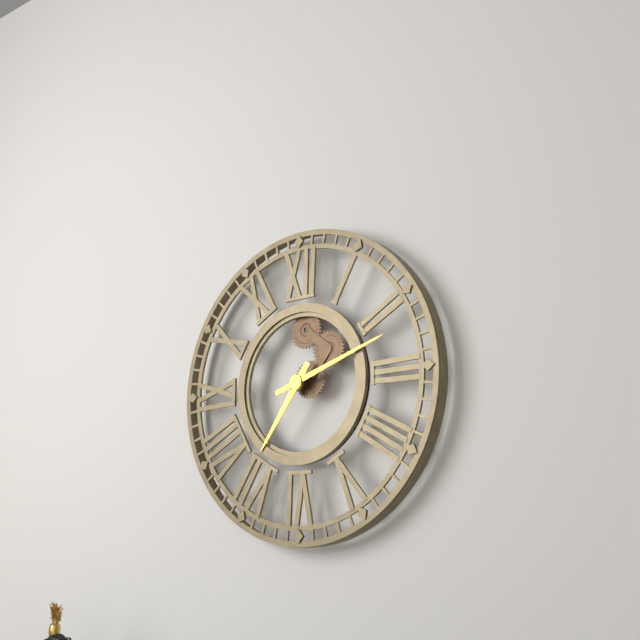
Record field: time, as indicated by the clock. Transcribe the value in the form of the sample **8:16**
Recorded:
**7:12**
